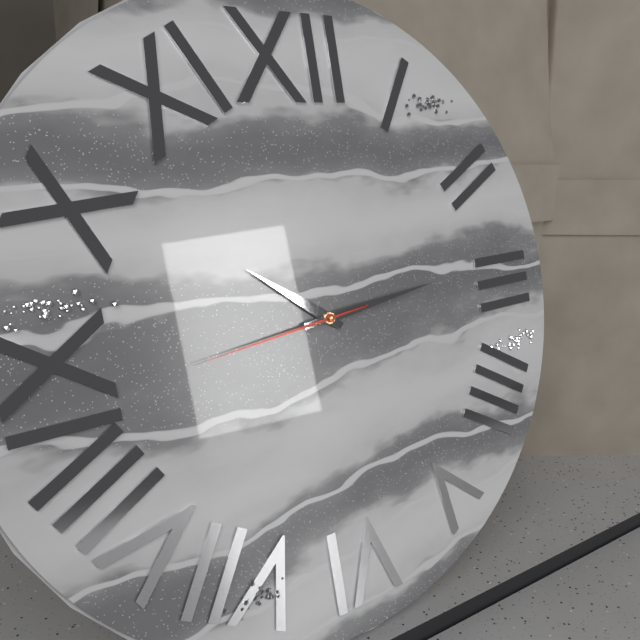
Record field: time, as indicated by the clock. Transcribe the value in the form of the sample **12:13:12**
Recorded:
**10:14:44**
